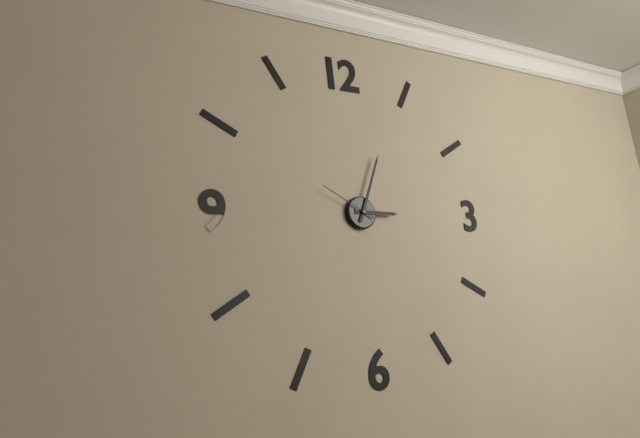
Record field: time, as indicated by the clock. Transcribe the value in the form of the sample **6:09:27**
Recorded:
**3:04:50**
